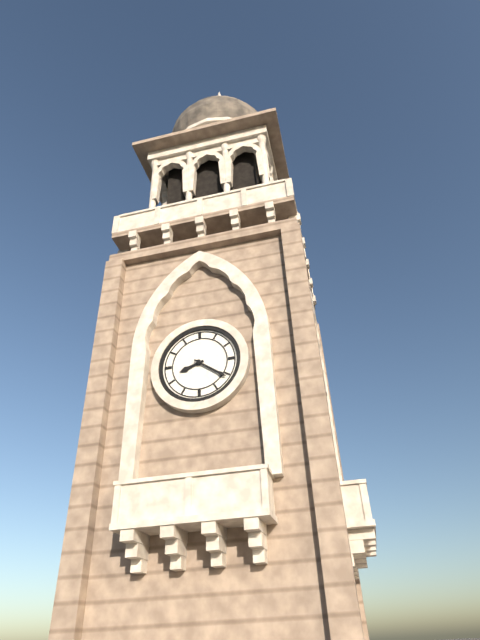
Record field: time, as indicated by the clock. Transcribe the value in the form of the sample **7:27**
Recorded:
**8:21**
